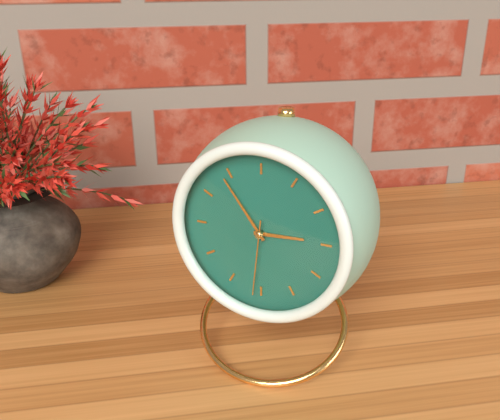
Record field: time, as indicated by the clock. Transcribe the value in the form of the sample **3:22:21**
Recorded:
**2:54:31**
